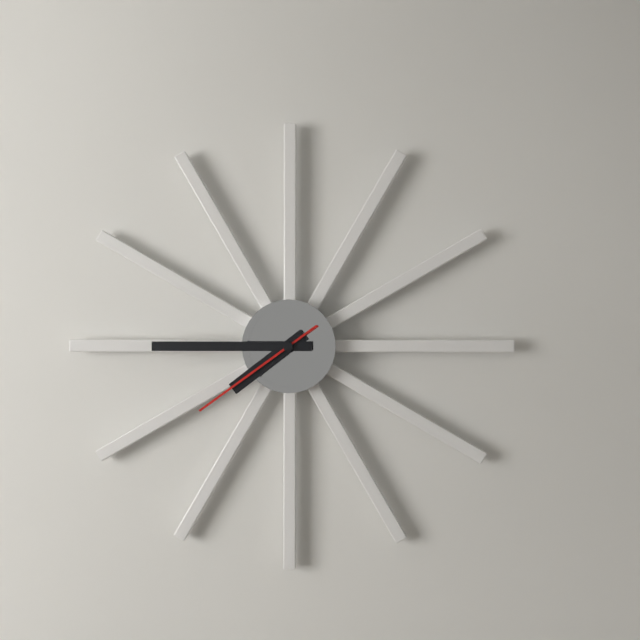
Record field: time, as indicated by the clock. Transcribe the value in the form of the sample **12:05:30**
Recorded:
**7:45:39**
